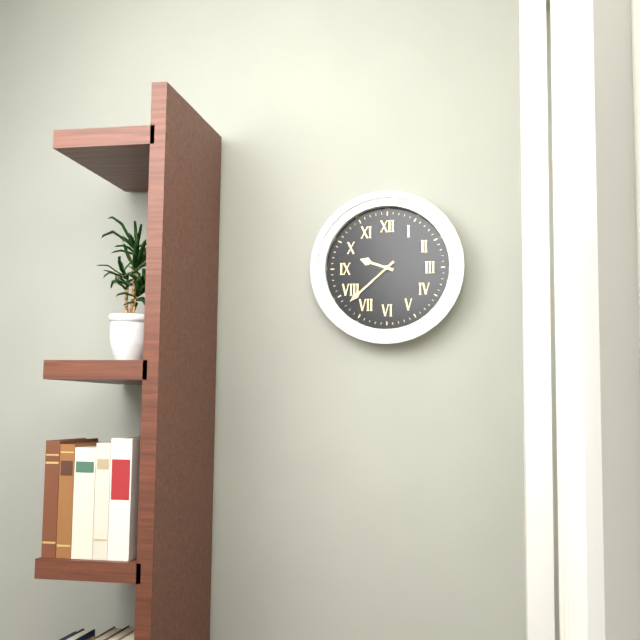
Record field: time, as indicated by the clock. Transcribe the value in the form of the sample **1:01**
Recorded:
**9:38**
